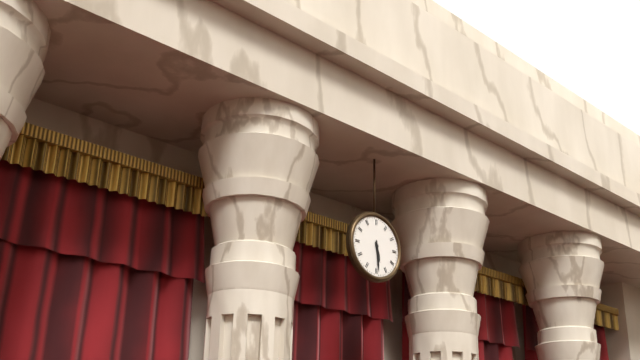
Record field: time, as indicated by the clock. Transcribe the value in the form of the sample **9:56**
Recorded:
**5:29**
